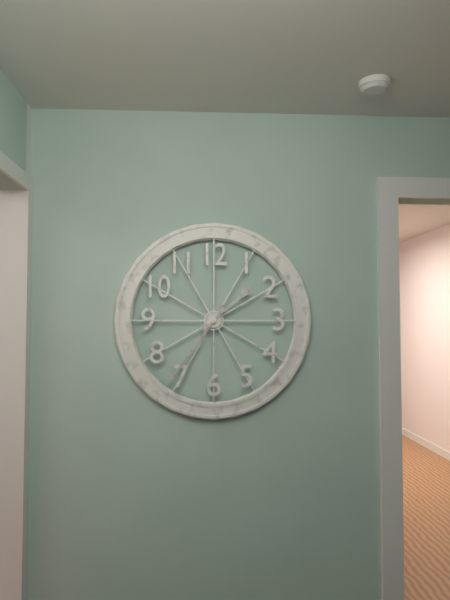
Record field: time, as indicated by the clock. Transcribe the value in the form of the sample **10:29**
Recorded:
**1:36**
